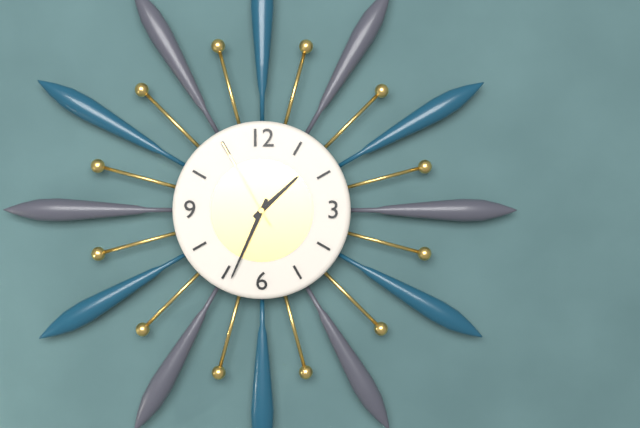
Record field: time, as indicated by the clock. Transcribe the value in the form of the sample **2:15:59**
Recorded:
**1:34:55**
